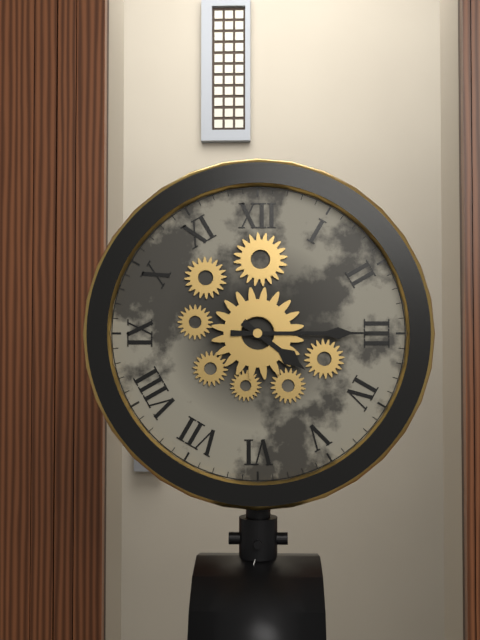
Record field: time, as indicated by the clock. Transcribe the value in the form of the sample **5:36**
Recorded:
**4:15**
